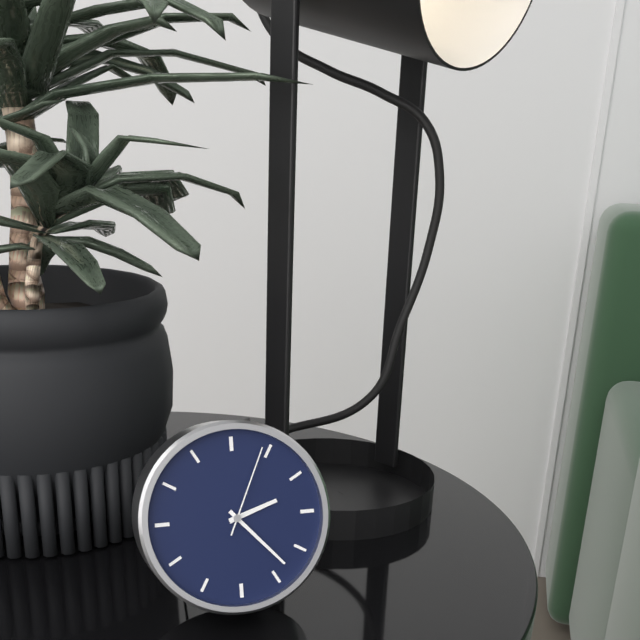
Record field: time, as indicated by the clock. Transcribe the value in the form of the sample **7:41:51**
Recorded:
**2:23:04**
